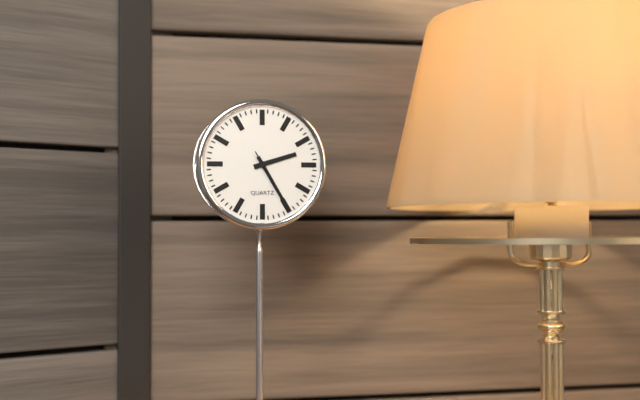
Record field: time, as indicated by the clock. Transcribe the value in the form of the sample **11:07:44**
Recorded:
**2:25:25**
